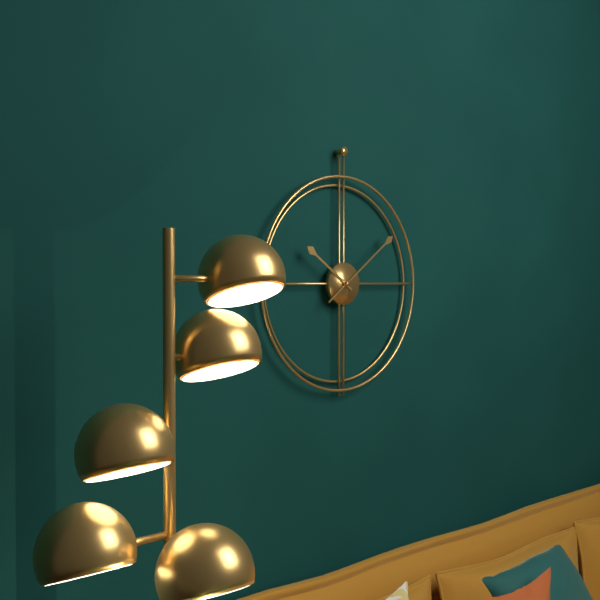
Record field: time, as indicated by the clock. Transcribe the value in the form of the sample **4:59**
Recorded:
**10:09**
